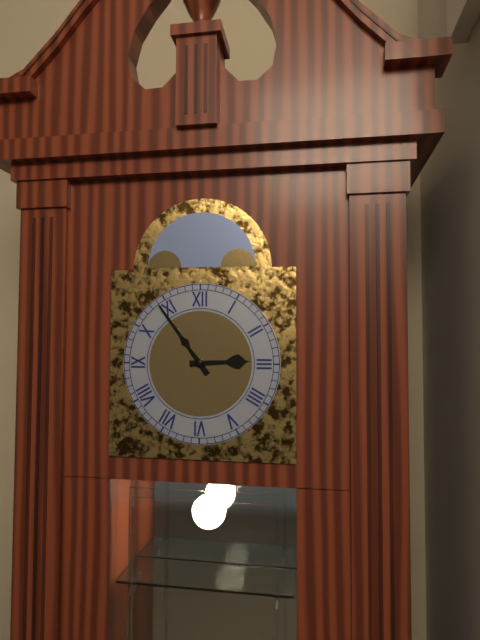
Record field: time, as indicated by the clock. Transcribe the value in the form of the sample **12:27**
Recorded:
**2:54**
